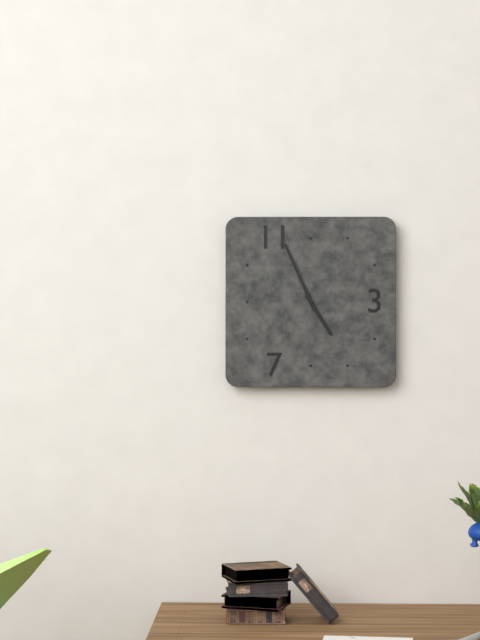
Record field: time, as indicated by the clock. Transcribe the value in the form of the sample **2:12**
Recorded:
**4:56**
